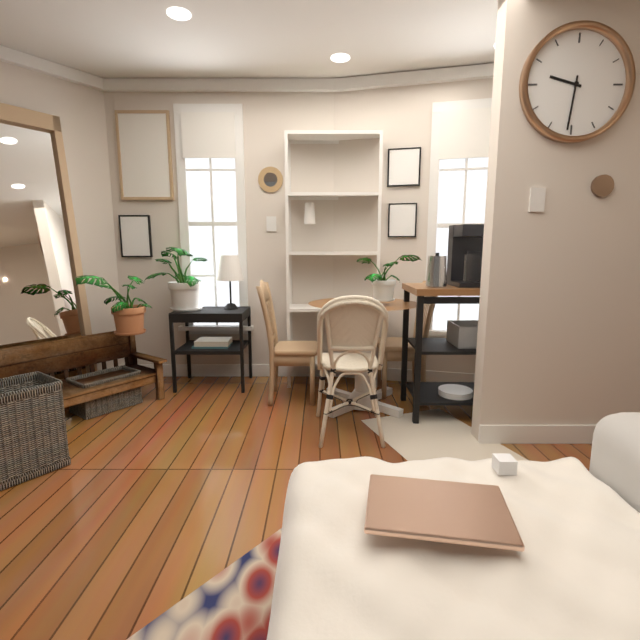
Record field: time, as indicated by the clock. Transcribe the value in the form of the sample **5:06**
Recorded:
**9:31**
